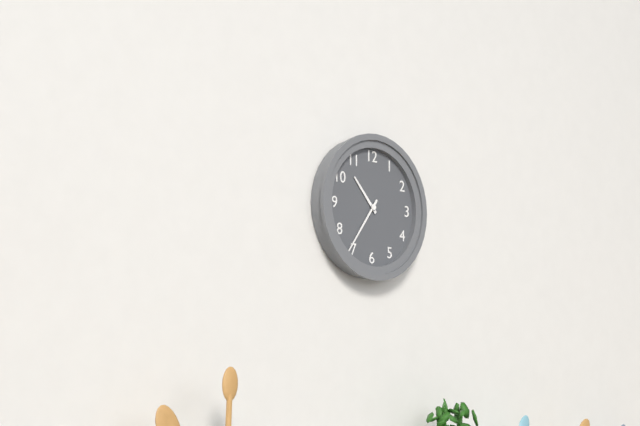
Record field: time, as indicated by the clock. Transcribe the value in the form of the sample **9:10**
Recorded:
**10:36**
